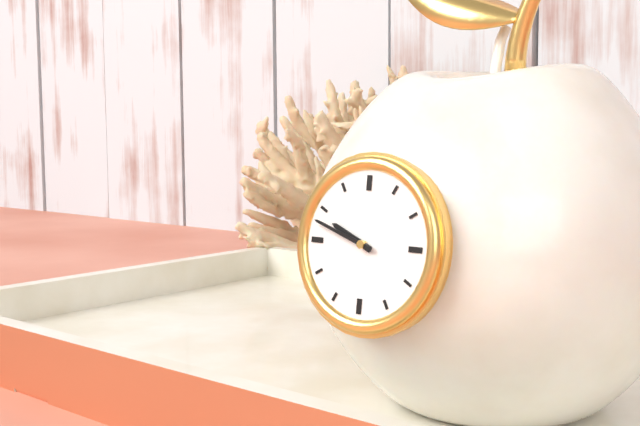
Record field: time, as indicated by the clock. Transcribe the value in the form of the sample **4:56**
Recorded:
**9:48**
